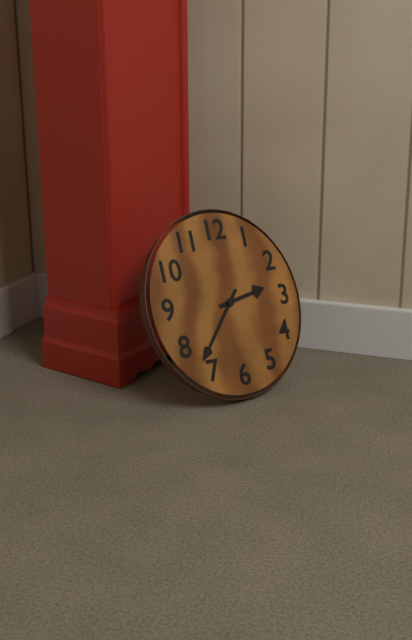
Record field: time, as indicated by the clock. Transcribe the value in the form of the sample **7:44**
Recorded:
**2:37**
